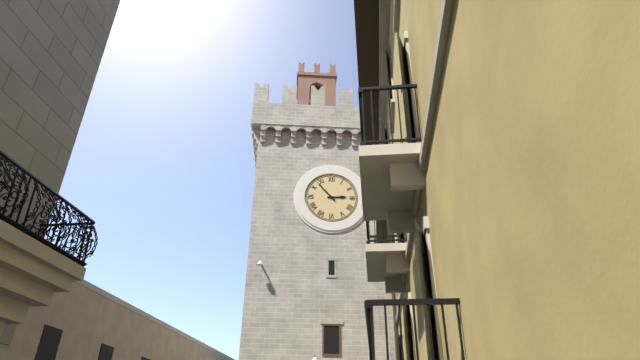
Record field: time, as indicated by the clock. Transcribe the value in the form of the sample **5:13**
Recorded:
**2:53**
